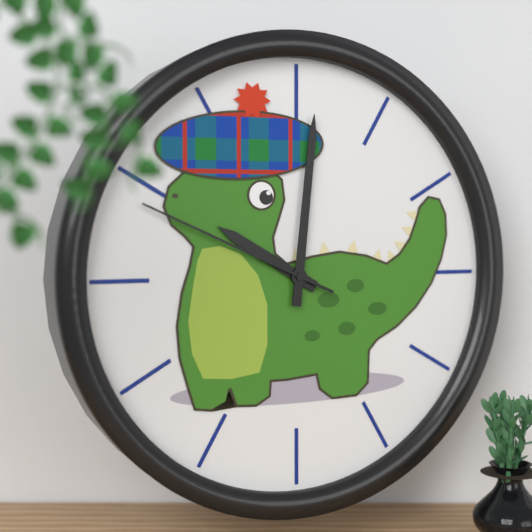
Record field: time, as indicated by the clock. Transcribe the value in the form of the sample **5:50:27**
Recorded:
**10:01:49**
